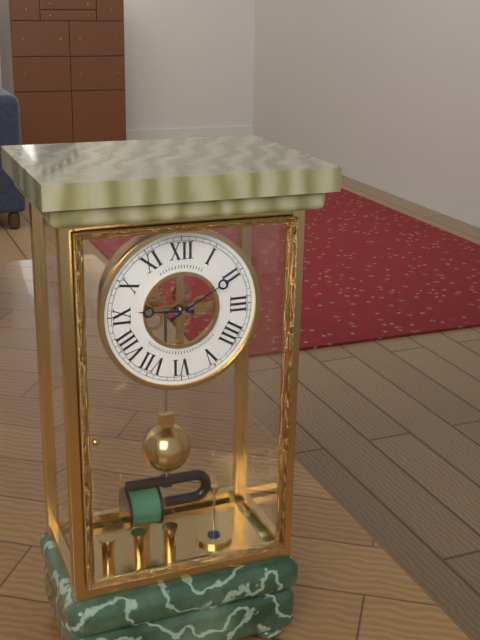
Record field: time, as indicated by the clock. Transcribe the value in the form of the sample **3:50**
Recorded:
**9:10**
